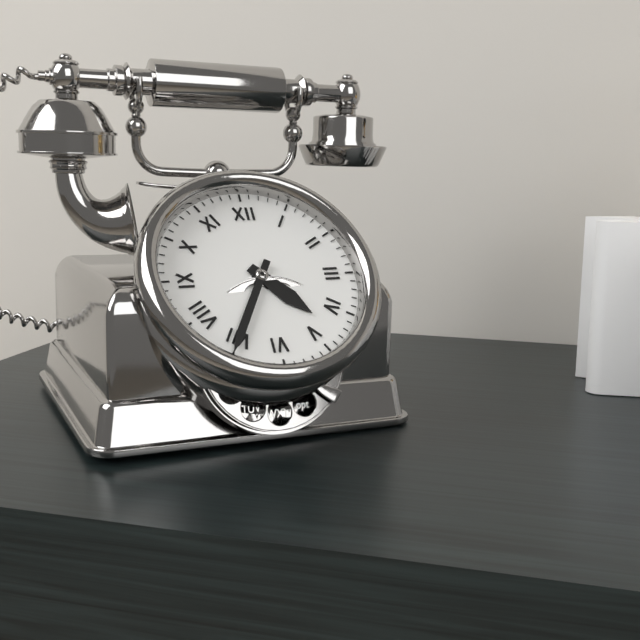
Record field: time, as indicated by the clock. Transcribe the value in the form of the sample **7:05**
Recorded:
**4:35**
